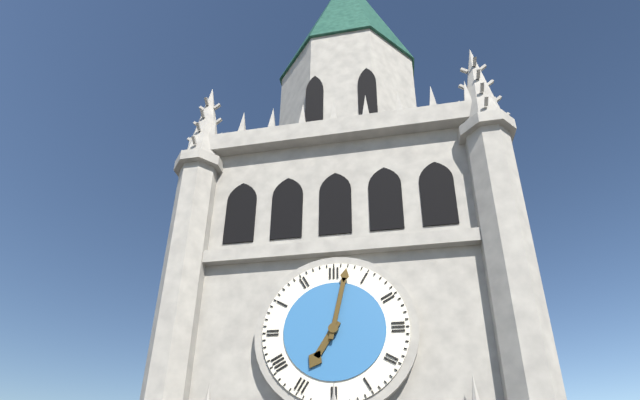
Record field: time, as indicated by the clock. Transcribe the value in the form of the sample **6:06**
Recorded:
**7:02**
